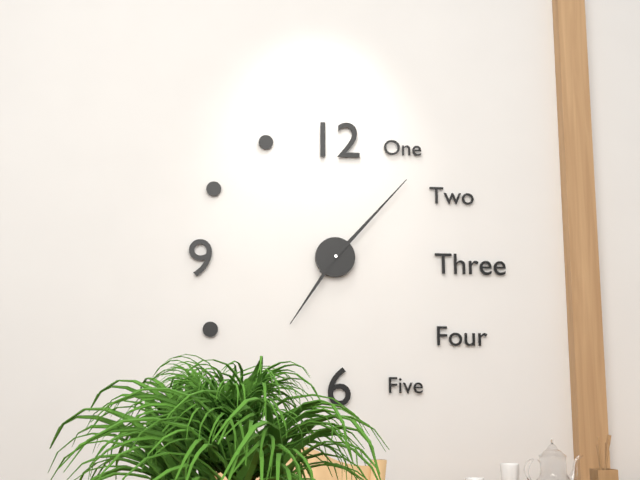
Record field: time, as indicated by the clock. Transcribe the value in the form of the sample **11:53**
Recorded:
**7:07**
